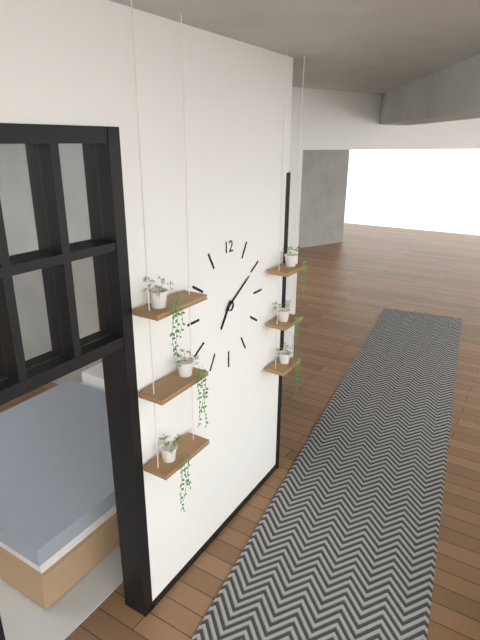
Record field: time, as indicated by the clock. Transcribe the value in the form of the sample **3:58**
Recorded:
**7:10**
